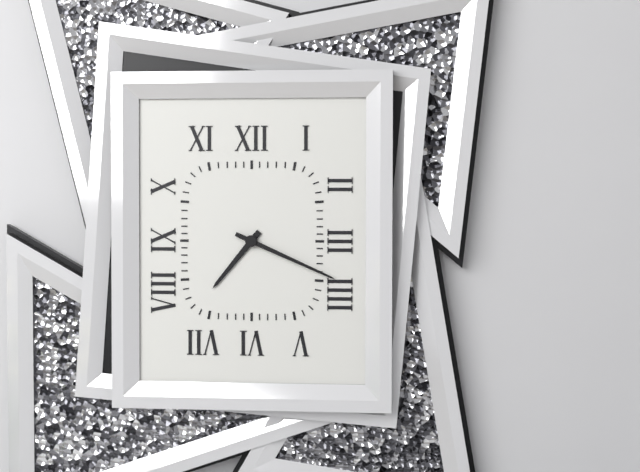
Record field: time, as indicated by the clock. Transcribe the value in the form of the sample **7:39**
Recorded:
**7:19**
